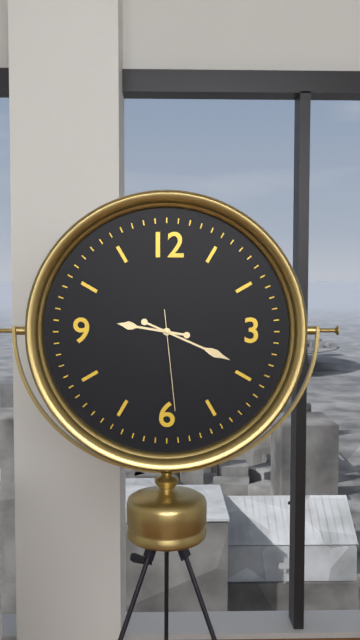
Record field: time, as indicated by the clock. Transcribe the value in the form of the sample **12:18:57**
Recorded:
**9:19:29**
